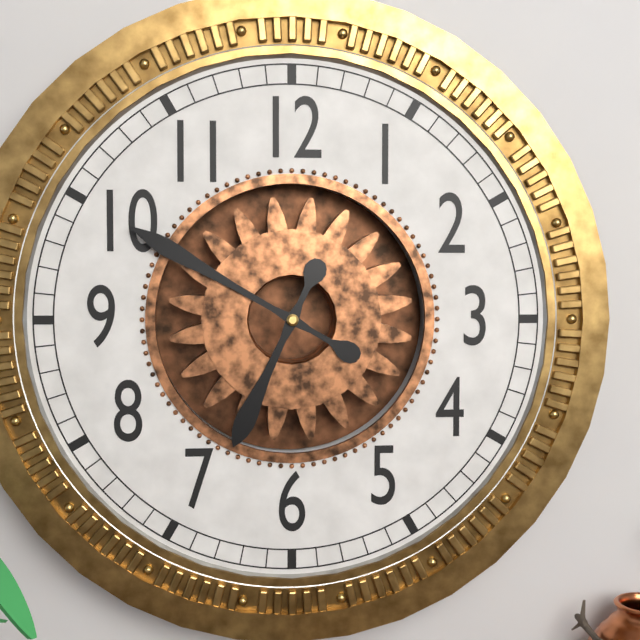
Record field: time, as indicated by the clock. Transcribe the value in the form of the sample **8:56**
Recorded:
**6:50**
